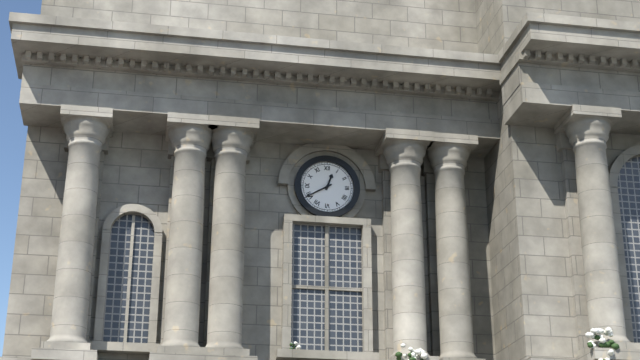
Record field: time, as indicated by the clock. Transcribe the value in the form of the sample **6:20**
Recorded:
**12:40**
